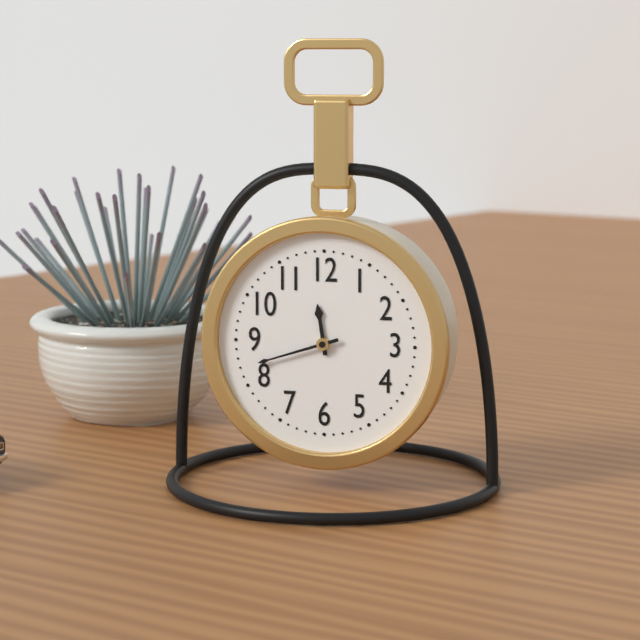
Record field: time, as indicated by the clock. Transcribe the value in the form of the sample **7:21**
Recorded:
**11:42**
